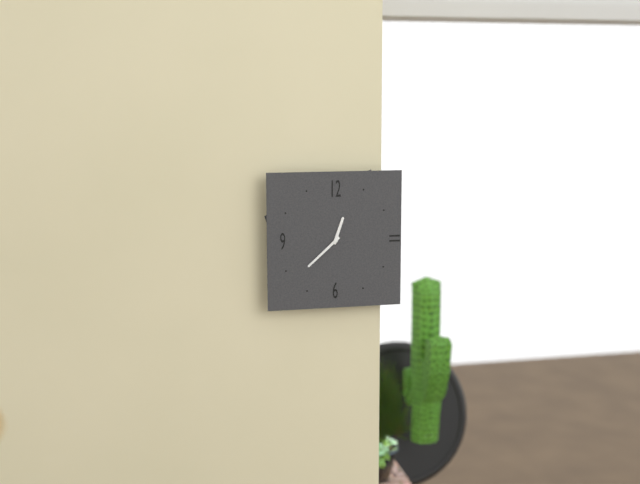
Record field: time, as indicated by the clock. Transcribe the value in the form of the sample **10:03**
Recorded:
**12:38**
